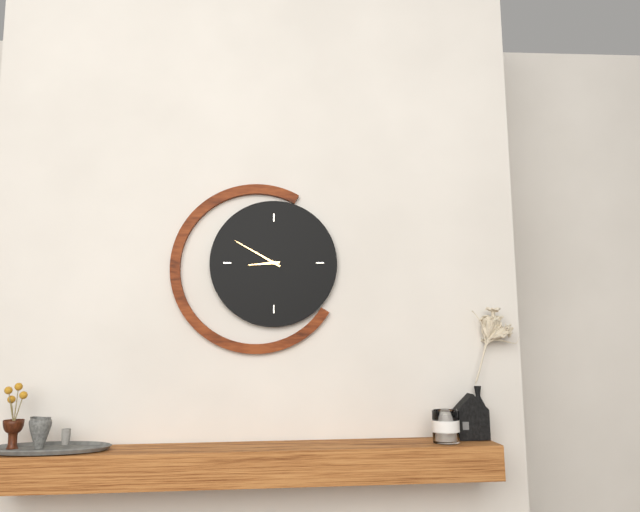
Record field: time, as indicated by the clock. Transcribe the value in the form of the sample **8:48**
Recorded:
**8:50**
